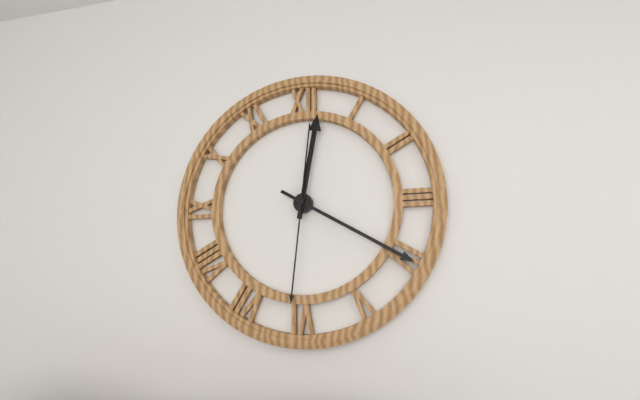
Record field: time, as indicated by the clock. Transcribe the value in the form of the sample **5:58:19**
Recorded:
**12:20:31**
